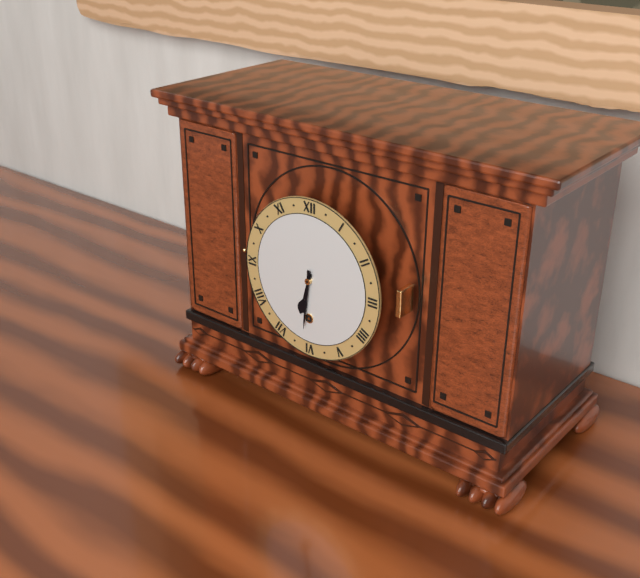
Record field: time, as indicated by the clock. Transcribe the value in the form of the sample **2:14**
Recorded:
**6:31**
